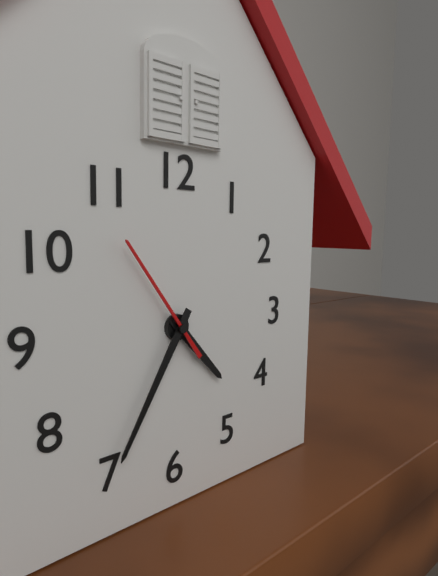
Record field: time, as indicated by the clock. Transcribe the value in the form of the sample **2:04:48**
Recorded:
**4:35:54**
